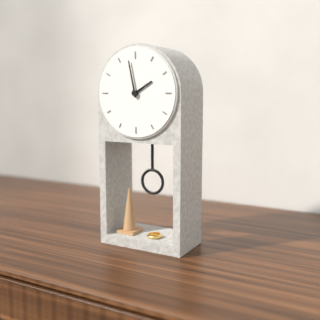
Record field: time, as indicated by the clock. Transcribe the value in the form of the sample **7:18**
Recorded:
**1:58**
